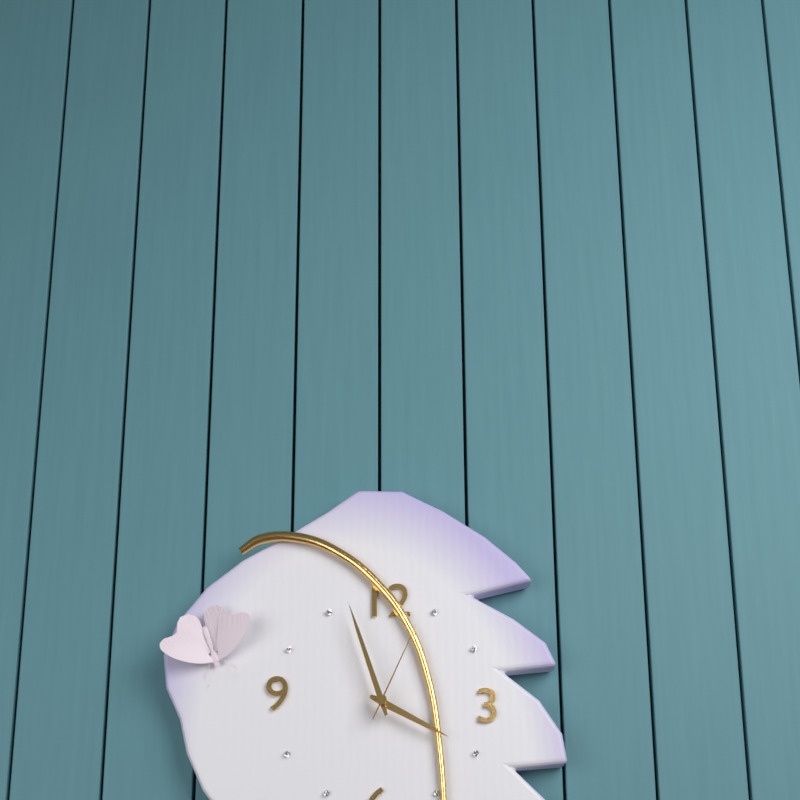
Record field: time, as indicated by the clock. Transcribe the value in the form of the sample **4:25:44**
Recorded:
**3:57:04**
